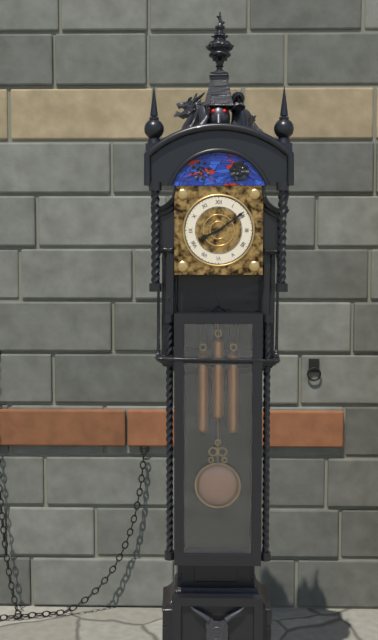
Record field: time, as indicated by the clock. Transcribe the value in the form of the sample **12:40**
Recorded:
**8:09**
